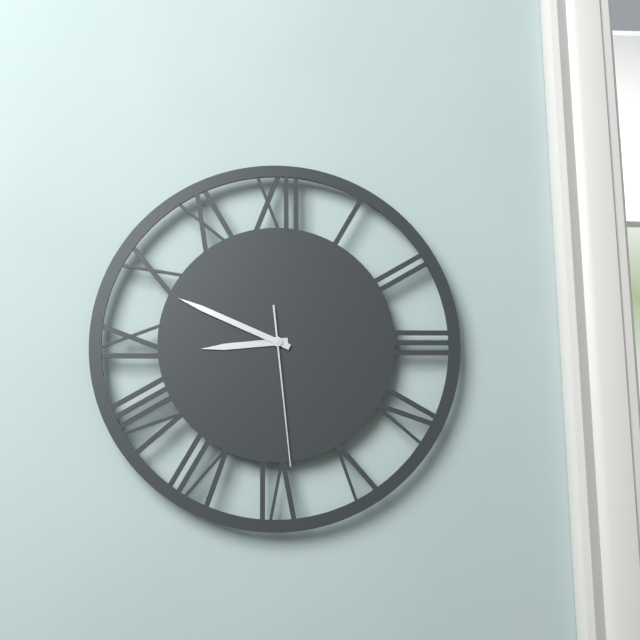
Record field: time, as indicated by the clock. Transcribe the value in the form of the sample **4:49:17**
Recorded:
**8:49:29**
